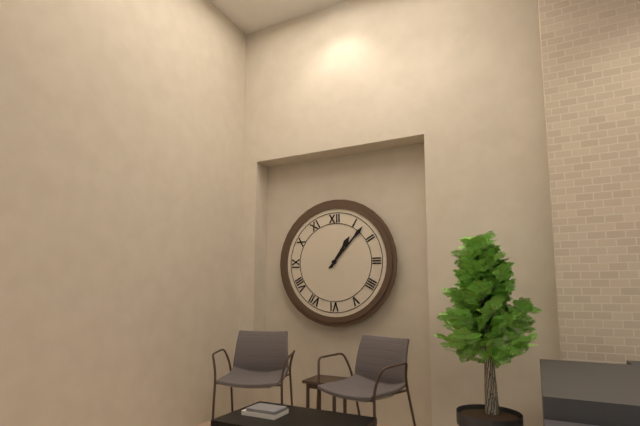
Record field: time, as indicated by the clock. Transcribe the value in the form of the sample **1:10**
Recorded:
**1:07**
